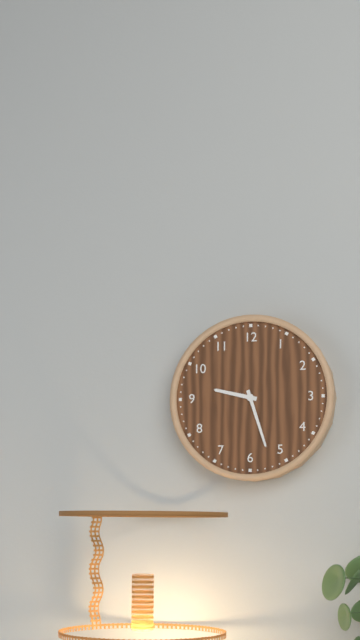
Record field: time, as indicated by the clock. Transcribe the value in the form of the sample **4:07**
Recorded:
**9:27**
